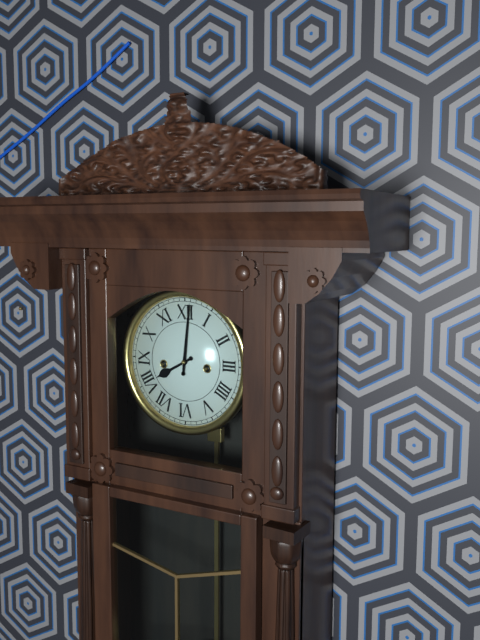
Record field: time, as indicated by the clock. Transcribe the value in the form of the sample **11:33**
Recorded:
**8:01**
